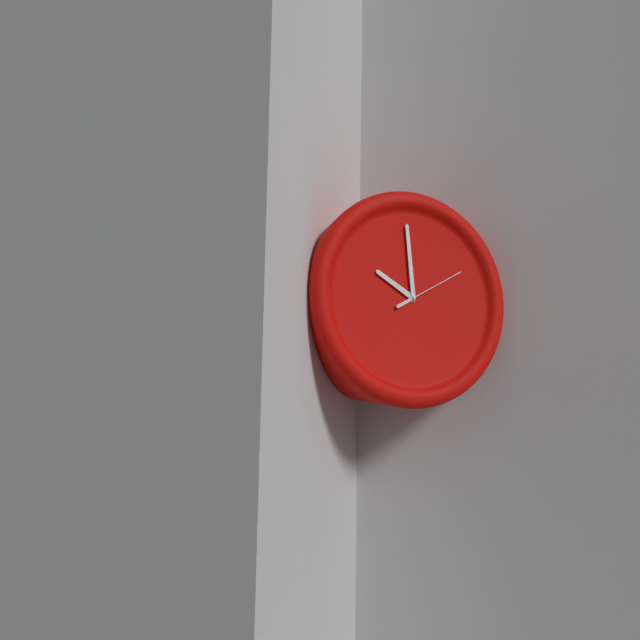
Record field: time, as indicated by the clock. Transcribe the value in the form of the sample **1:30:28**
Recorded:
**9:59:10**
